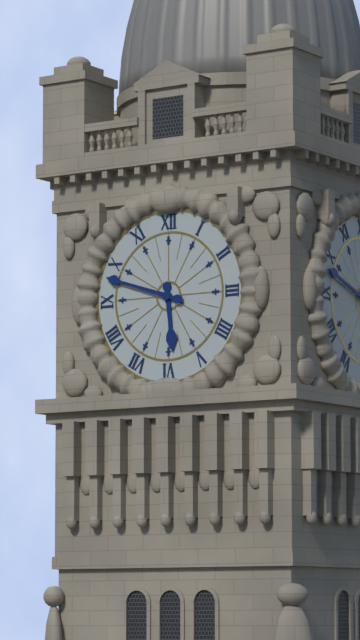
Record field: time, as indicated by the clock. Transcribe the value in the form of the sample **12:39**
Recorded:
**5:48**
